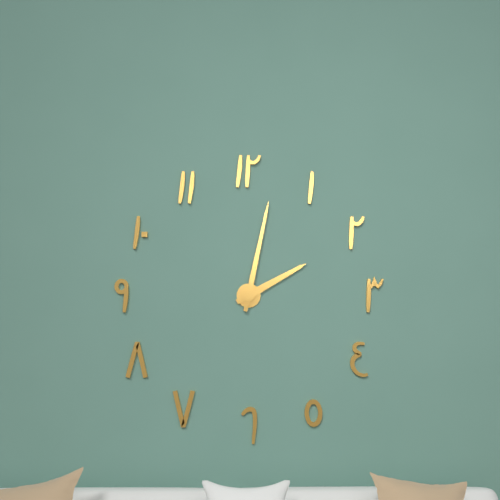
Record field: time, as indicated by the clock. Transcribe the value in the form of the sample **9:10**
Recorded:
**2:02**
